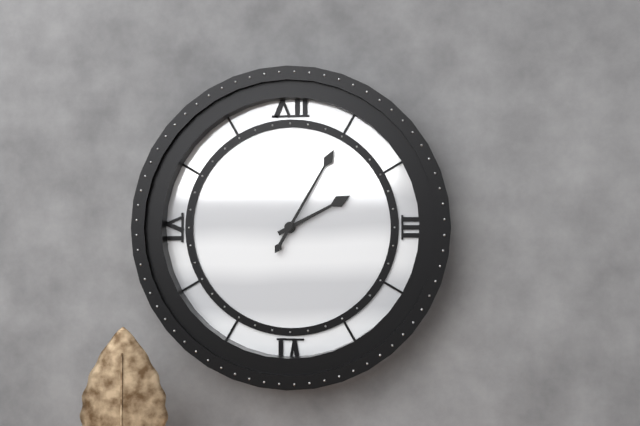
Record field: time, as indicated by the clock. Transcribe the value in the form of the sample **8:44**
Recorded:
**2:05**
